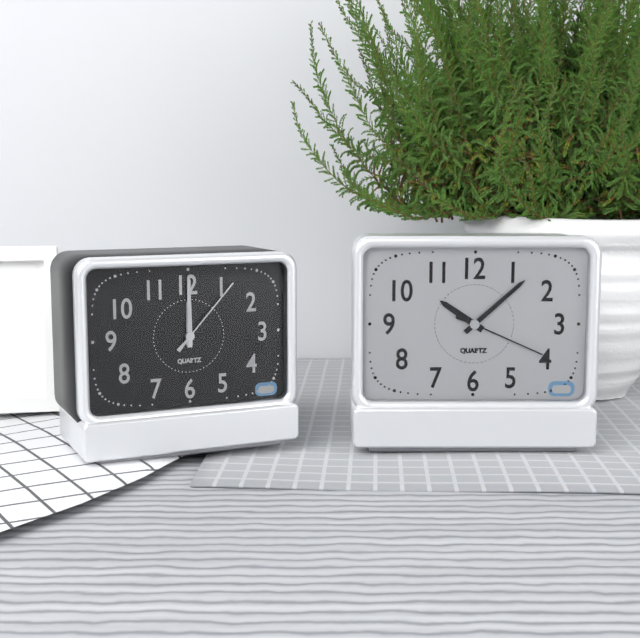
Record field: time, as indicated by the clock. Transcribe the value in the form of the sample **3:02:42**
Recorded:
**10:08:19**
